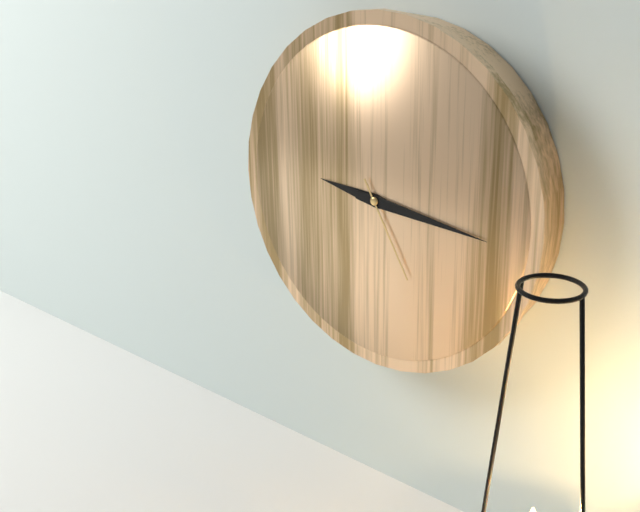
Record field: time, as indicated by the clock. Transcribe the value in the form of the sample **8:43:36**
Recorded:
**9:16:25**
